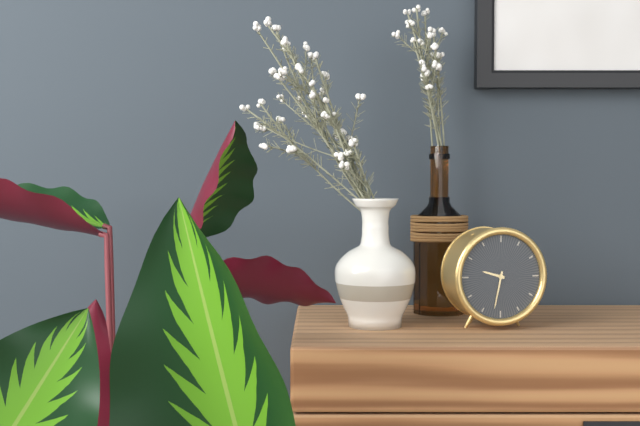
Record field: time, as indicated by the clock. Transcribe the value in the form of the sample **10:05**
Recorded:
**9:32**
